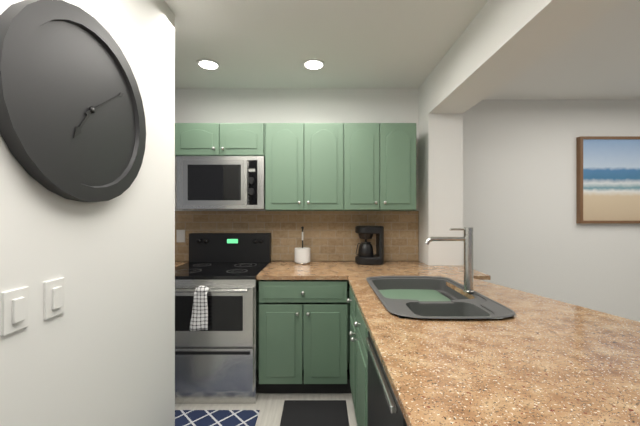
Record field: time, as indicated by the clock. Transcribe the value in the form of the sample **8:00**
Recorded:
**7:09**
